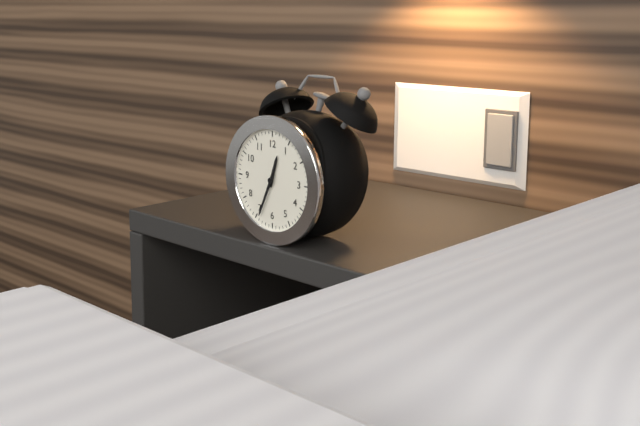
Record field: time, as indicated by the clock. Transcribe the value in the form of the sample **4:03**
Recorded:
**12:34**
